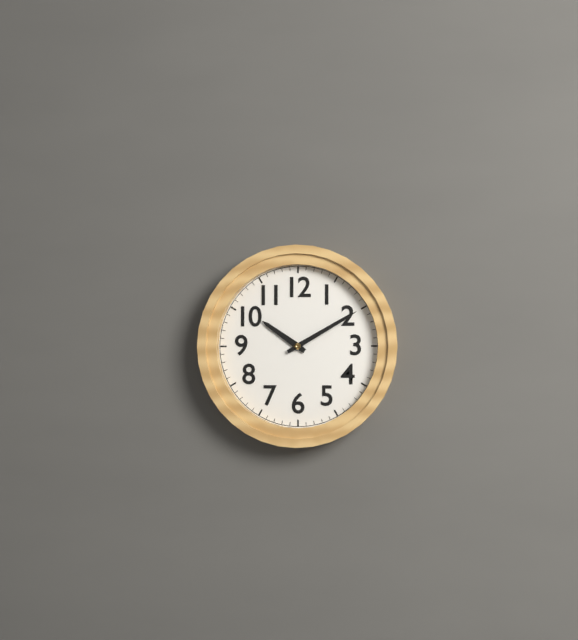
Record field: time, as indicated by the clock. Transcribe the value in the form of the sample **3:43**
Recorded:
**10:10**
